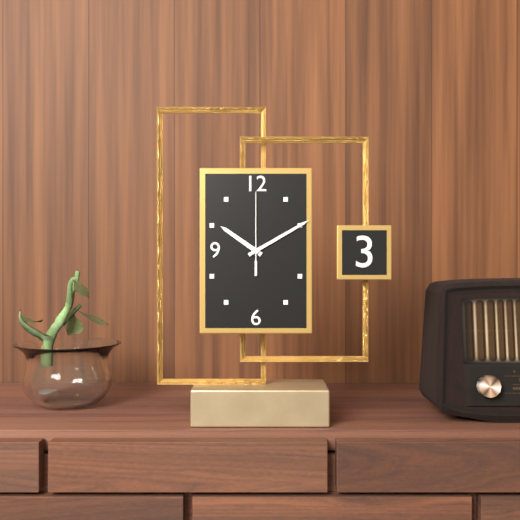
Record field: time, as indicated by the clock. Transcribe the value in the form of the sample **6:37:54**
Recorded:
**10:10:00**
